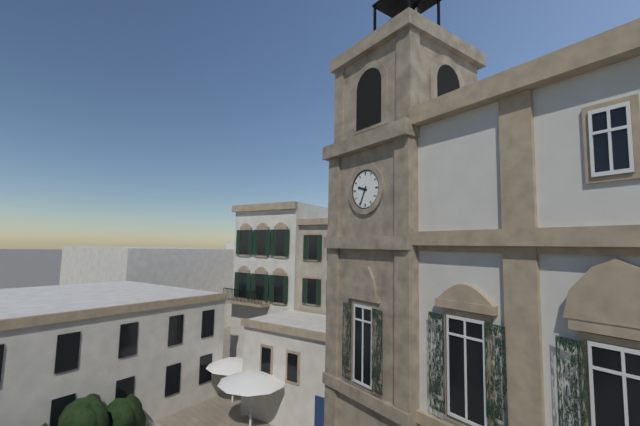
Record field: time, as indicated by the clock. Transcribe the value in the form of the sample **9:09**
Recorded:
**9:34**
